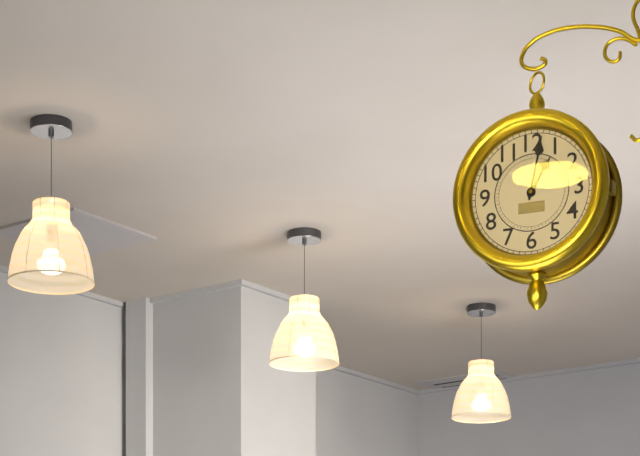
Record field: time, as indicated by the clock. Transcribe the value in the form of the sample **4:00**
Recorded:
**1:02**
